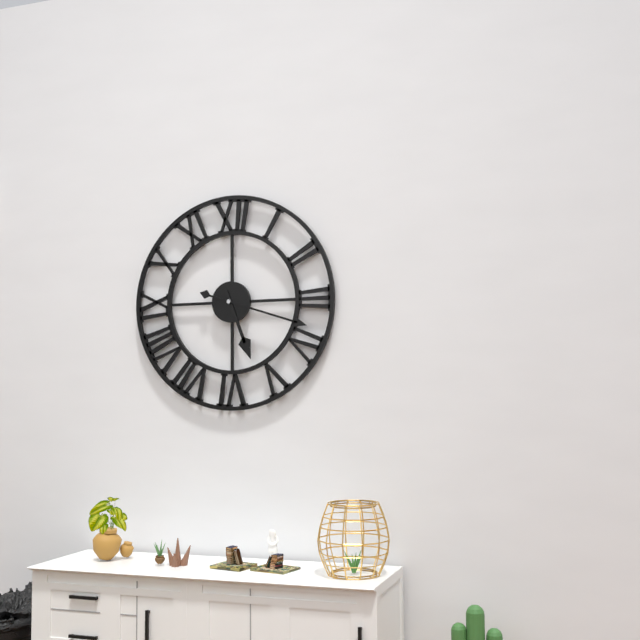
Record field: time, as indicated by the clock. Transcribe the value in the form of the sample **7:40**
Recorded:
**5:18**
